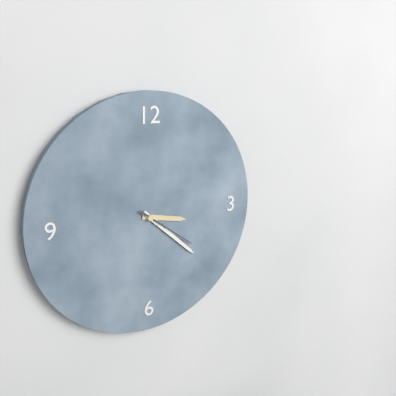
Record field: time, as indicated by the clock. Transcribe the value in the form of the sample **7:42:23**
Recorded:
**3:22:21**
